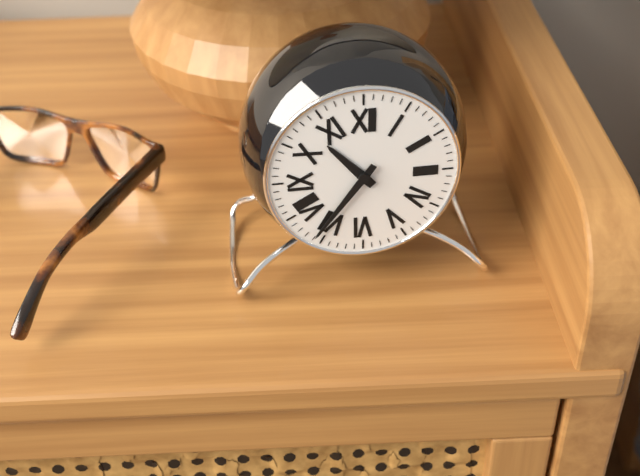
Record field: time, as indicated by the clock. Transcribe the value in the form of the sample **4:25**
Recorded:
**10:36**
